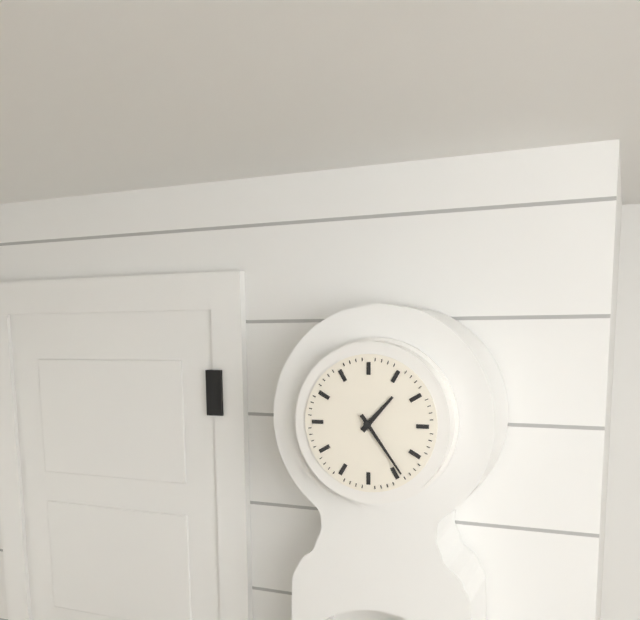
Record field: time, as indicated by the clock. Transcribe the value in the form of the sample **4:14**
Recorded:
**1:24**
